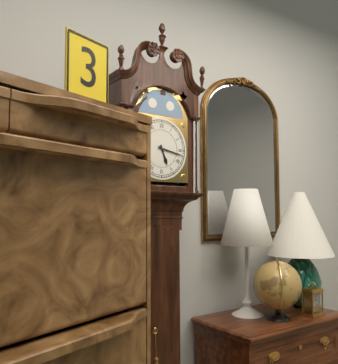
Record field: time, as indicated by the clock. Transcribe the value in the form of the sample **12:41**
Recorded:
**5:17**
